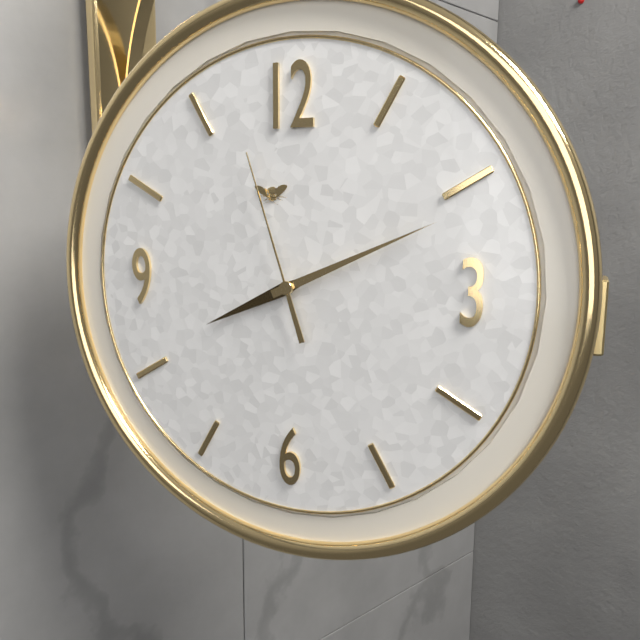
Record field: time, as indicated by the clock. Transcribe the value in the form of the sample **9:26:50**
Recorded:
**8:11:57**
